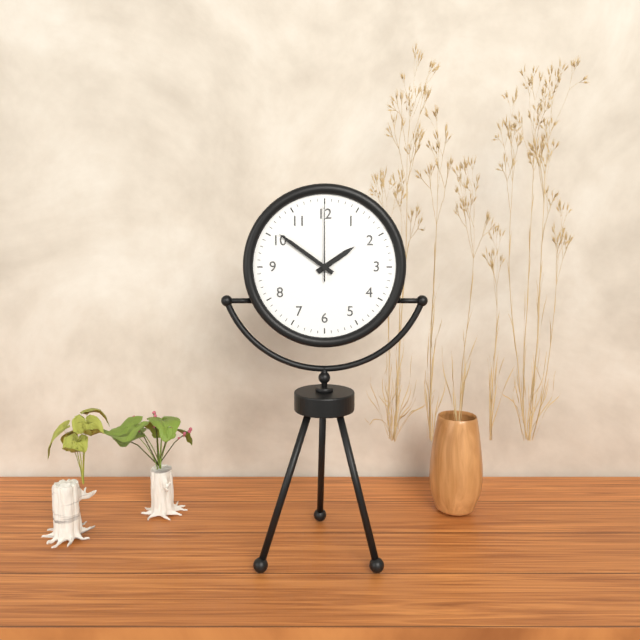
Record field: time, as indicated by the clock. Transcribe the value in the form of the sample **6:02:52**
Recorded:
**1:51:00**
